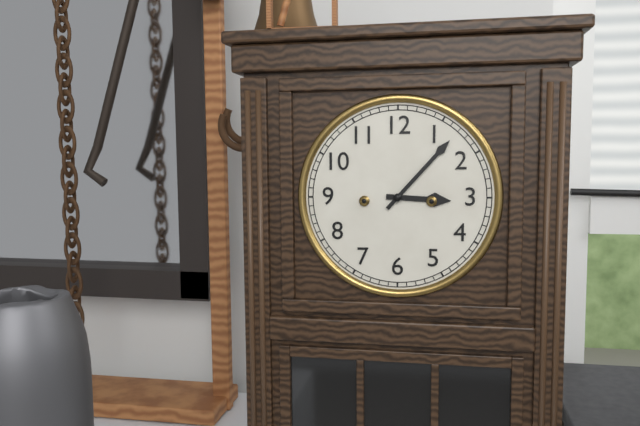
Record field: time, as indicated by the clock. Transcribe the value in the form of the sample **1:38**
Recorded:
**3:07**
